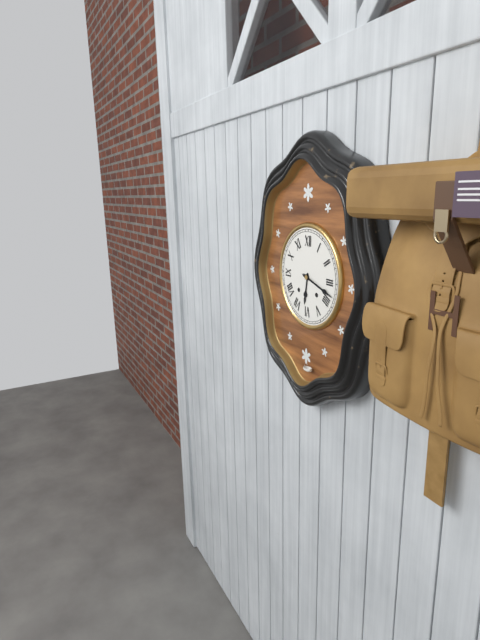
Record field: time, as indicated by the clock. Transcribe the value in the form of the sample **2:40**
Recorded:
**6:18**
